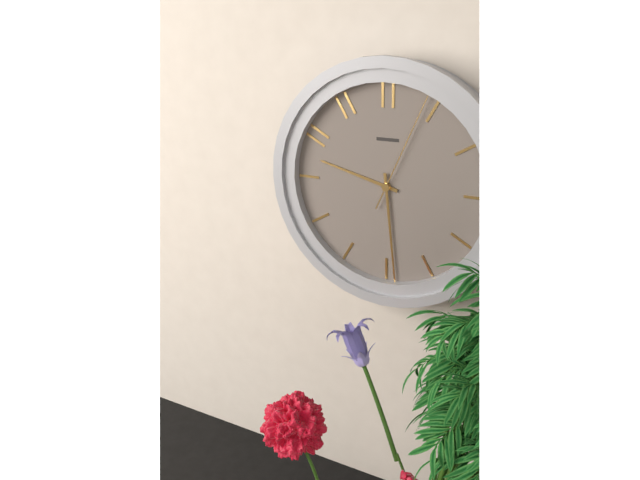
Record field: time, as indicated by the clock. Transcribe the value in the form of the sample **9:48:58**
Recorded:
**9:29:04**
